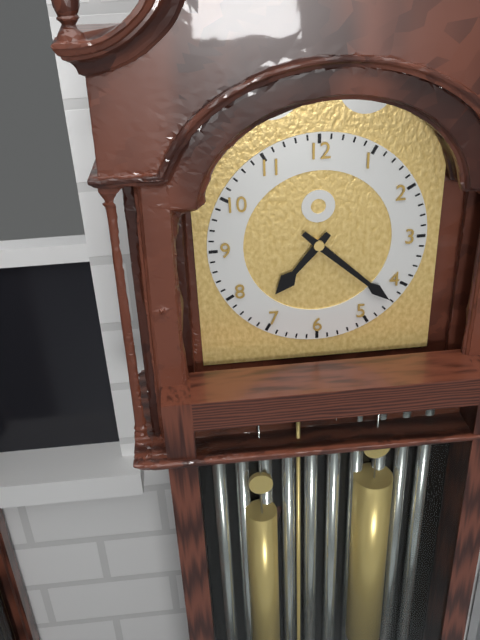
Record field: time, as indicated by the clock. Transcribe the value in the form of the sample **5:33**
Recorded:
**7:22**
